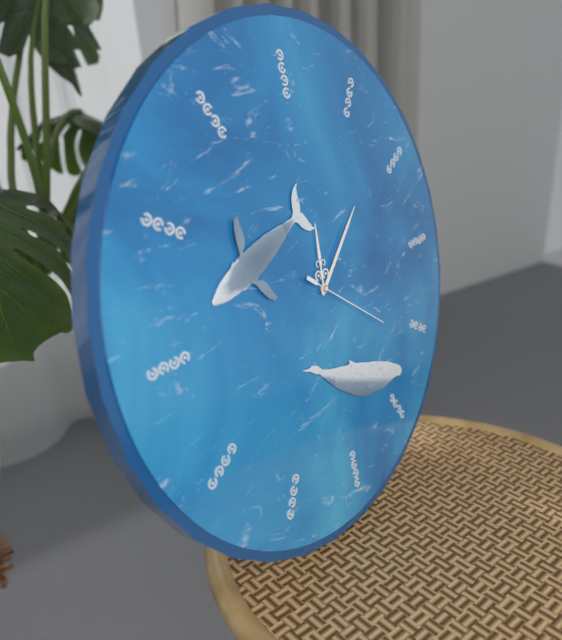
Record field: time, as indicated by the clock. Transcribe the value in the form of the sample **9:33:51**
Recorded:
**12:08:21**
